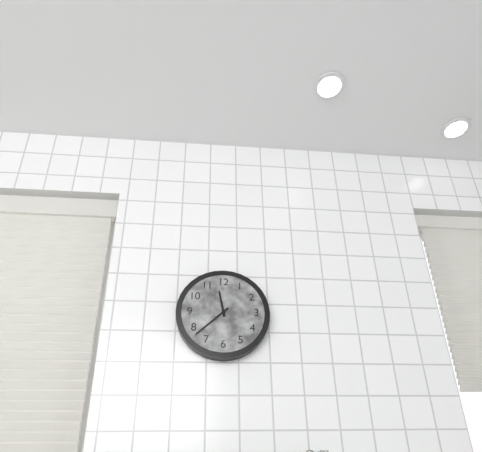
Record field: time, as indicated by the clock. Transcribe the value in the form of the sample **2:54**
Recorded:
**11:38**
